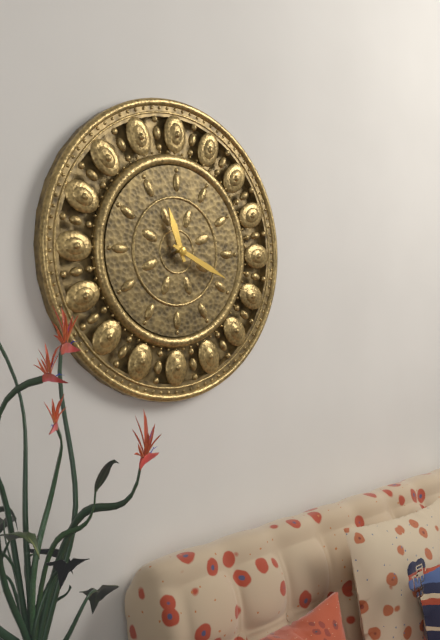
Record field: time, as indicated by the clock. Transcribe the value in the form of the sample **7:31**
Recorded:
**11:19**
